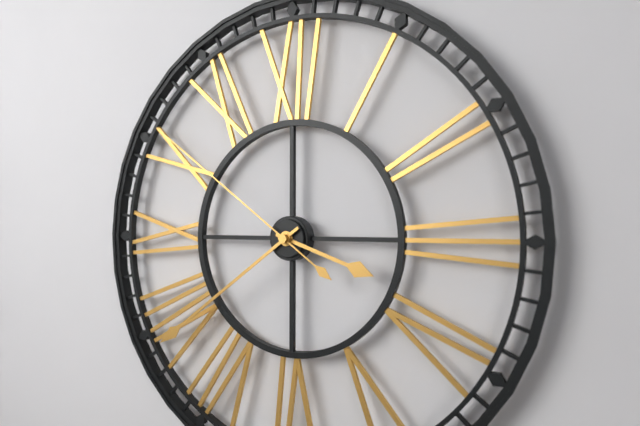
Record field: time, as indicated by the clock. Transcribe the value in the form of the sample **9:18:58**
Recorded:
**3:39:51**
